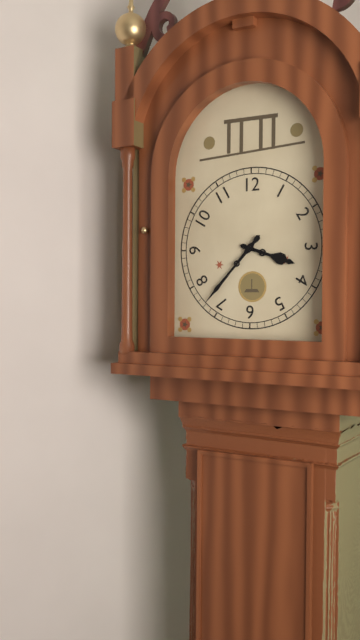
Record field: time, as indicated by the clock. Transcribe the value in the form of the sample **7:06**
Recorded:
**3:37**
